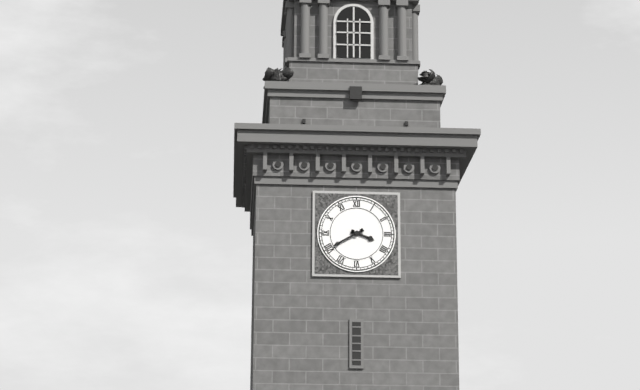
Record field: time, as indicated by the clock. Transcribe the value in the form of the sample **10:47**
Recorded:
**3:40**
